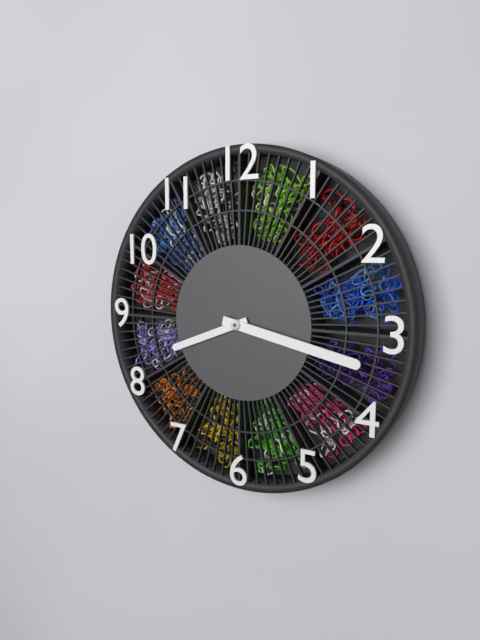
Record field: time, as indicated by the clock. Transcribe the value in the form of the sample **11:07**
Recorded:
**8:17**
